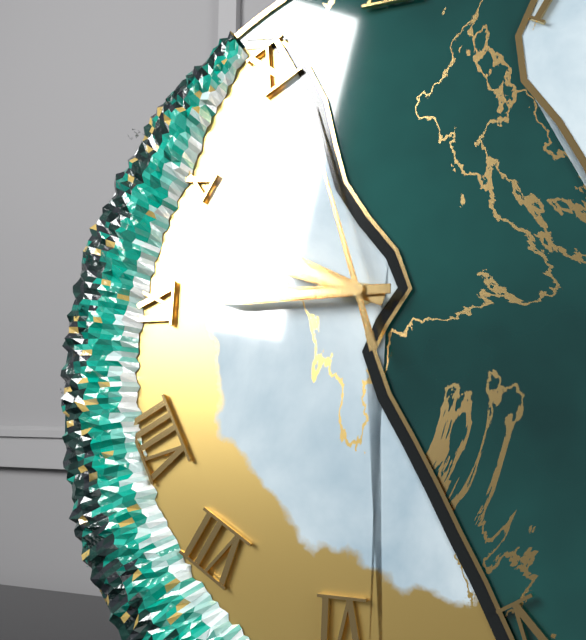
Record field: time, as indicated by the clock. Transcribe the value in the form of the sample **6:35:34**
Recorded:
**9:45:57**
